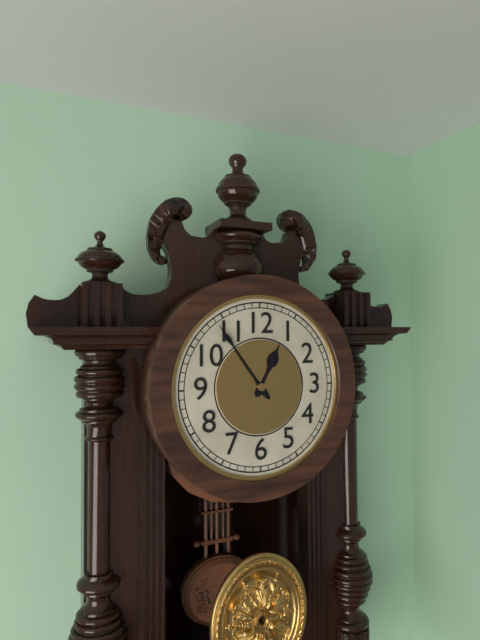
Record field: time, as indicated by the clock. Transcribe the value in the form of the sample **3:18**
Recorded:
**12:54**
